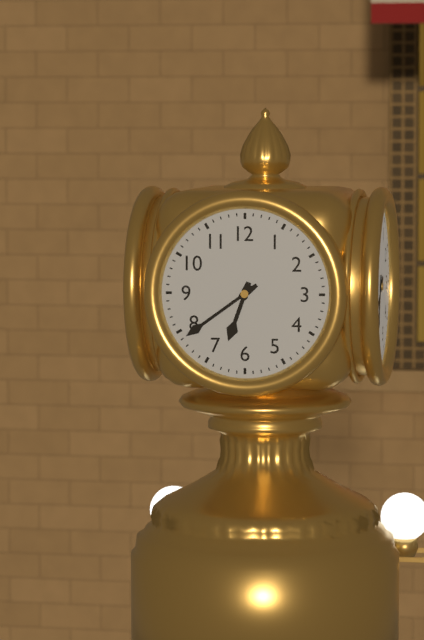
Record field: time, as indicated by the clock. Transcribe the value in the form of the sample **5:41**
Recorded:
**6:39**
